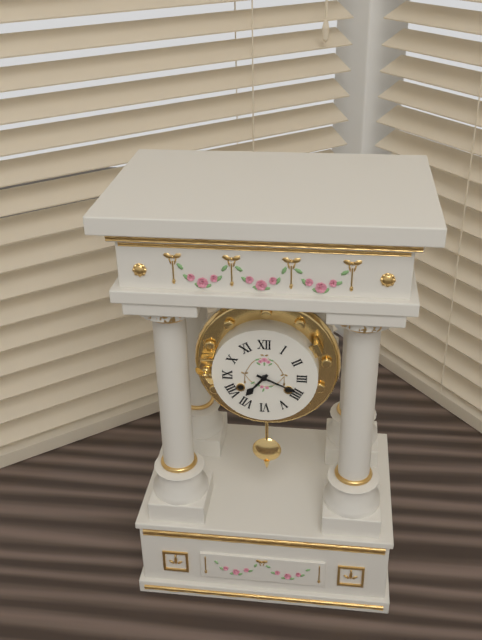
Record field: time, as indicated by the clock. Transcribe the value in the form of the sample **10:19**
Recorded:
**7:19**
